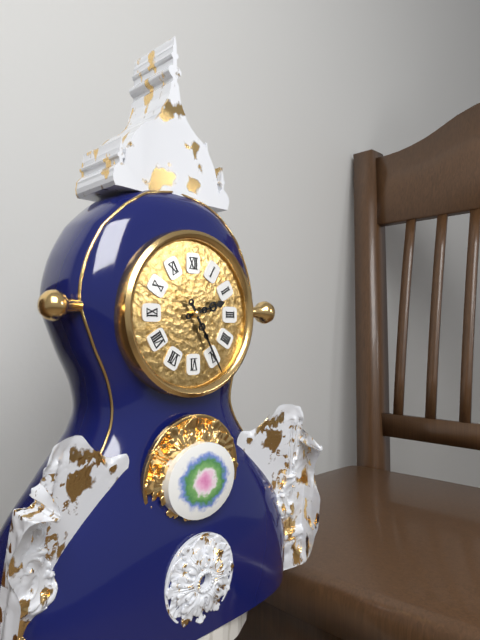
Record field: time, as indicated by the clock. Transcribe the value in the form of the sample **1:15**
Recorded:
**2:25**
